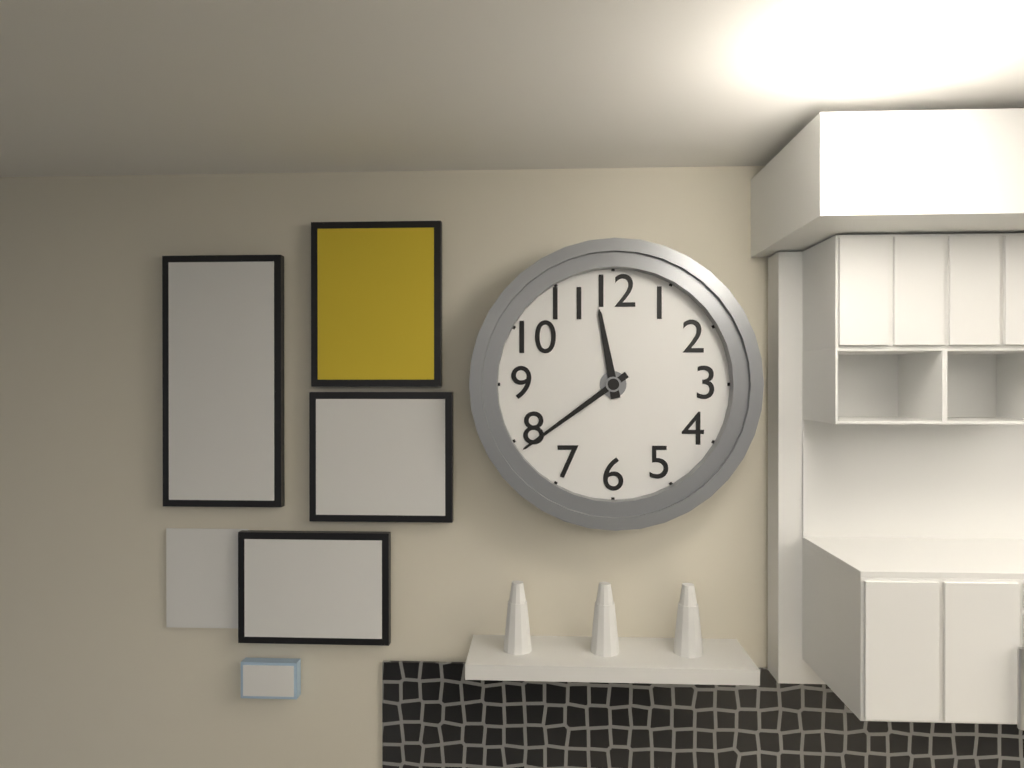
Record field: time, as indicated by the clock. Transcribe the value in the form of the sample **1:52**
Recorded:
**11:39**
